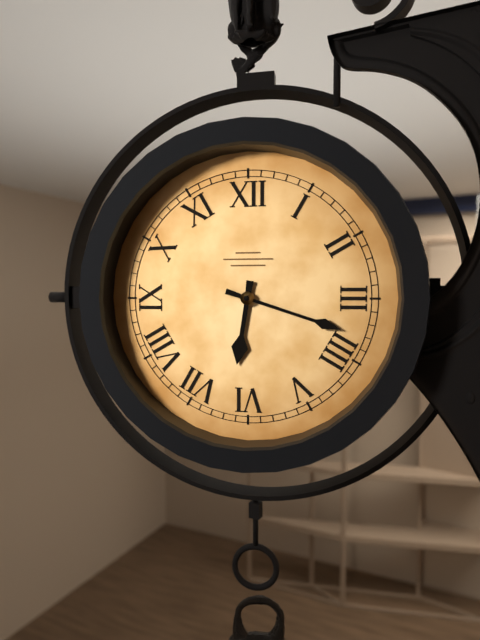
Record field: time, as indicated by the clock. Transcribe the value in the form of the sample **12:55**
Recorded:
**6:18**
